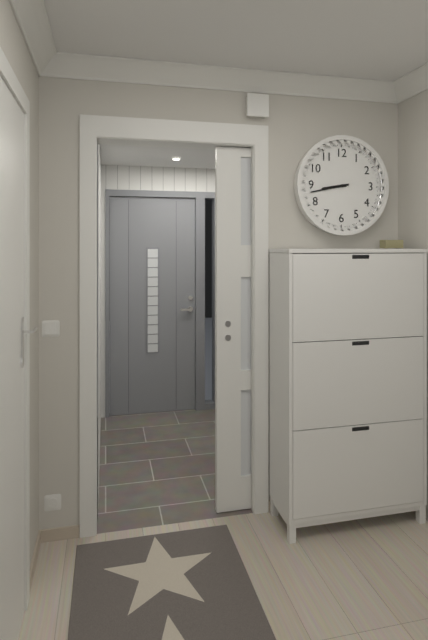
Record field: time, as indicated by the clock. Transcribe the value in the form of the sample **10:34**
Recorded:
**8:43**
